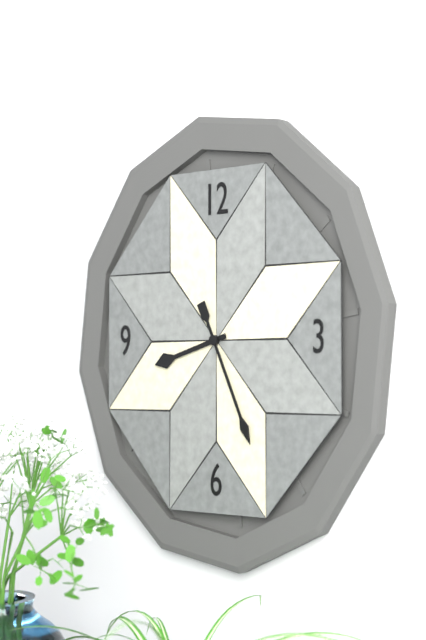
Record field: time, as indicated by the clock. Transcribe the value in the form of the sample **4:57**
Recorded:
**8:26**
